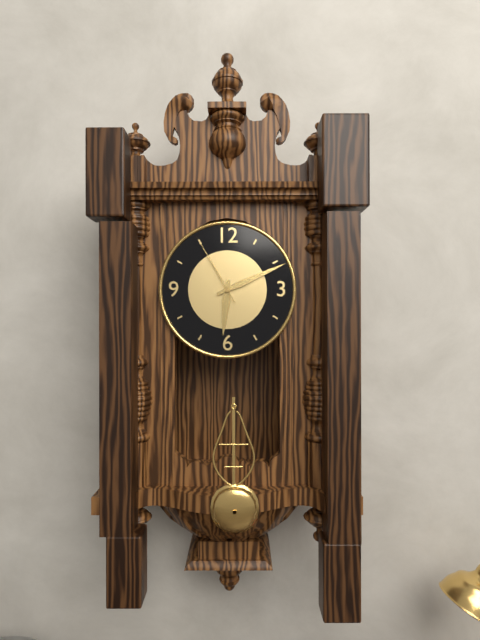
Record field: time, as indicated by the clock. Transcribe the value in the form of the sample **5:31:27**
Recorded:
**6:11:55**
